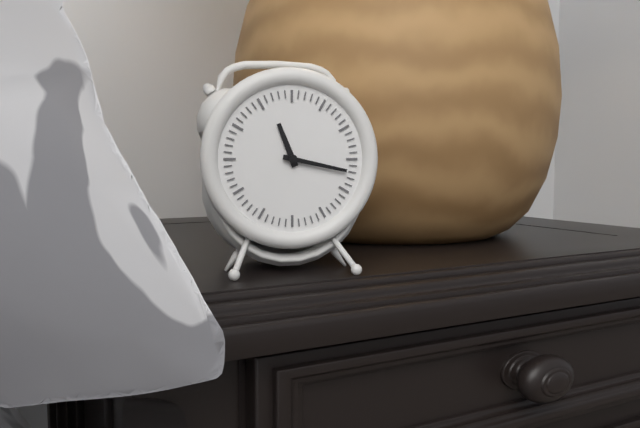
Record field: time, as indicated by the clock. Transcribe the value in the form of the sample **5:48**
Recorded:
**11:17**
